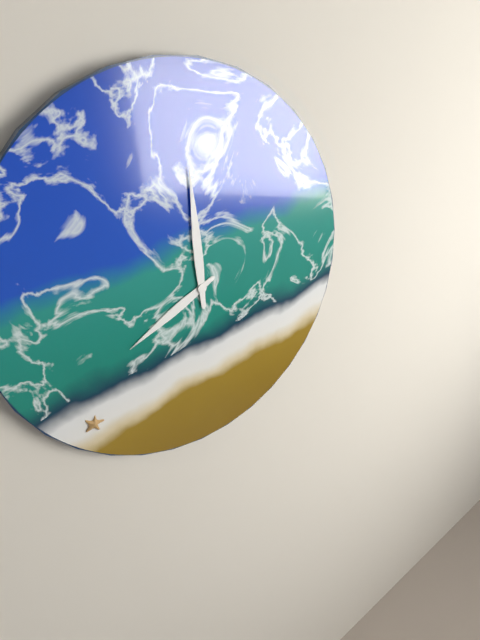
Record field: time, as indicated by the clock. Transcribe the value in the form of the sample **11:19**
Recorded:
**7:59**
